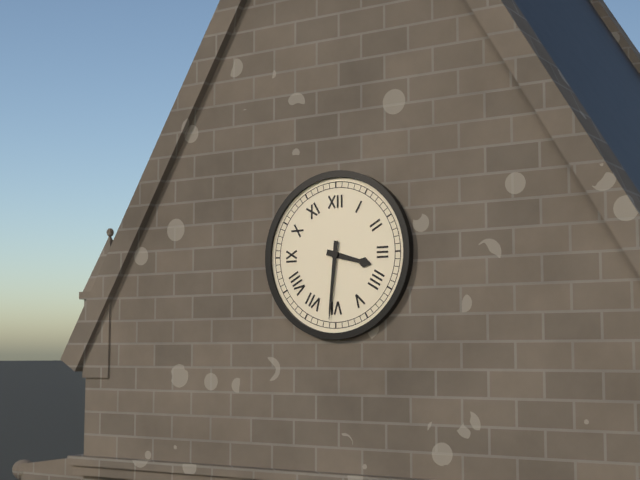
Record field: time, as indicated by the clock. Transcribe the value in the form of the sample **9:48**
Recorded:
**3:31**
